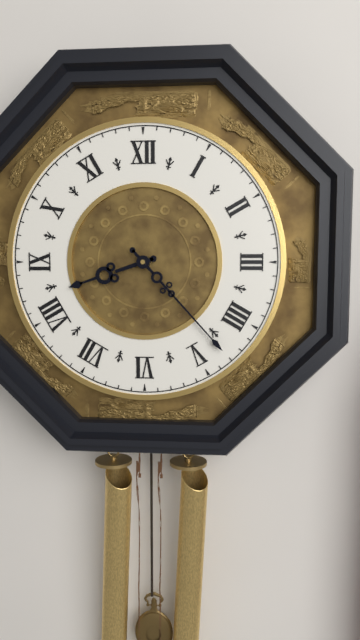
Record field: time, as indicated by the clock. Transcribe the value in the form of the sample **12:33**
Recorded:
**8:23**
